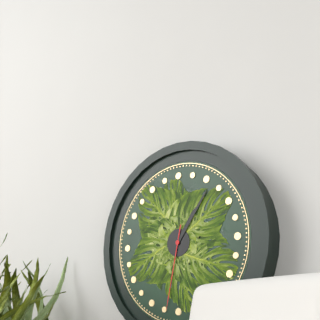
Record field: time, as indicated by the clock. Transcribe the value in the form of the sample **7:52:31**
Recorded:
**1:06:32**
